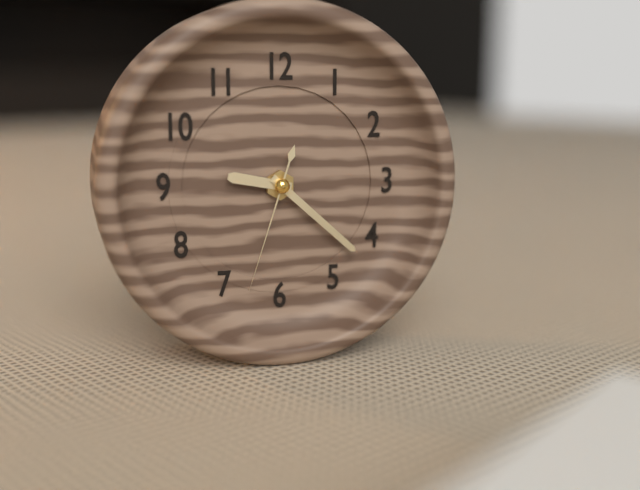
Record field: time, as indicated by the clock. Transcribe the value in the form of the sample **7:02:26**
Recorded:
**9:22:33**
